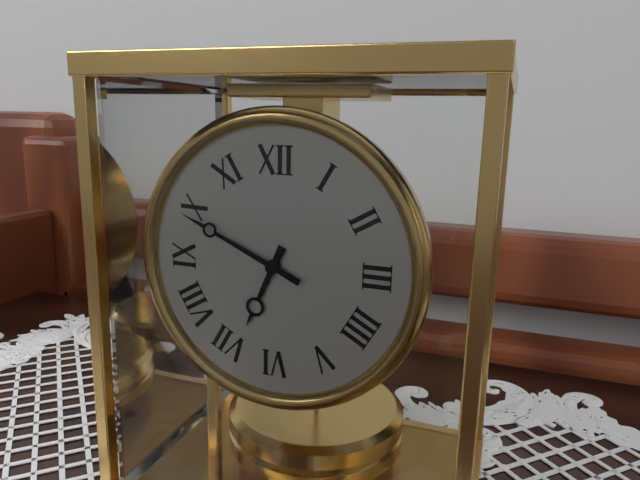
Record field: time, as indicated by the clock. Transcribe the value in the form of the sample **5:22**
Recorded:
**6:49**
